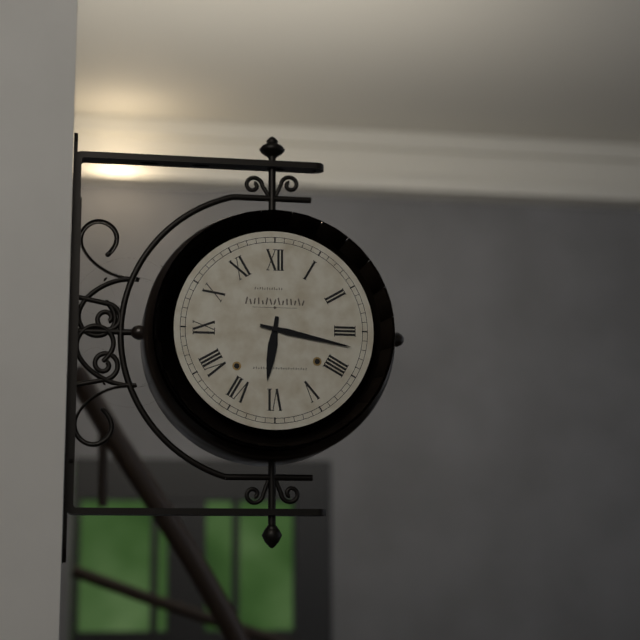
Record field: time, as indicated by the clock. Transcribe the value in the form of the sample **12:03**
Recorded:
**6:17**
